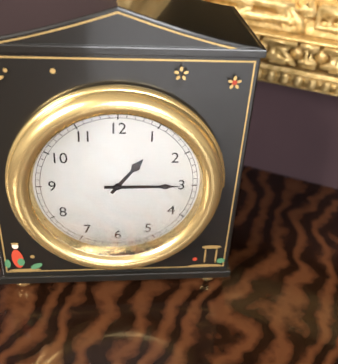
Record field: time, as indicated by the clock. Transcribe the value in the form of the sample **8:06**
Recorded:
**1:15**
